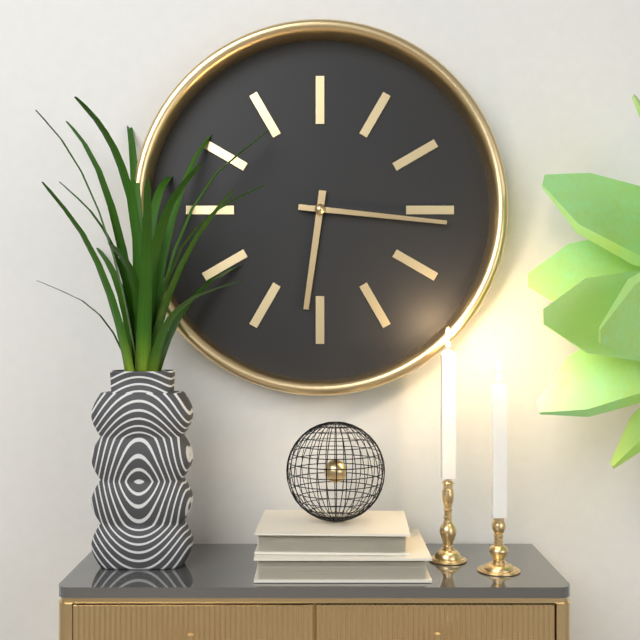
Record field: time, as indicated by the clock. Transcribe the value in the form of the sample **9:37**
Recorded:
**6:16**
